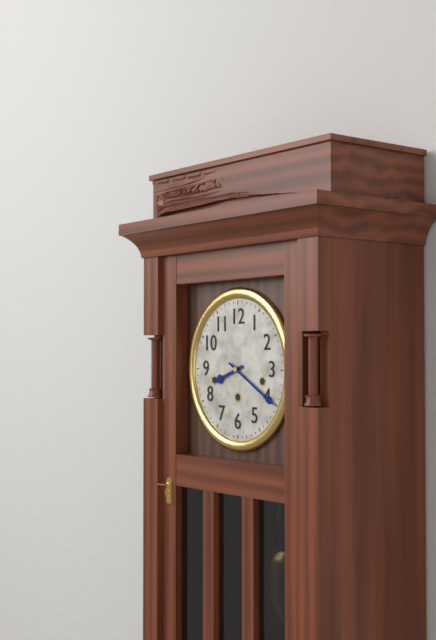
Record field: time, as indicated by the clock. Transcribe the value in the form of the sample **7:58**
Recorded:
**8:20**
